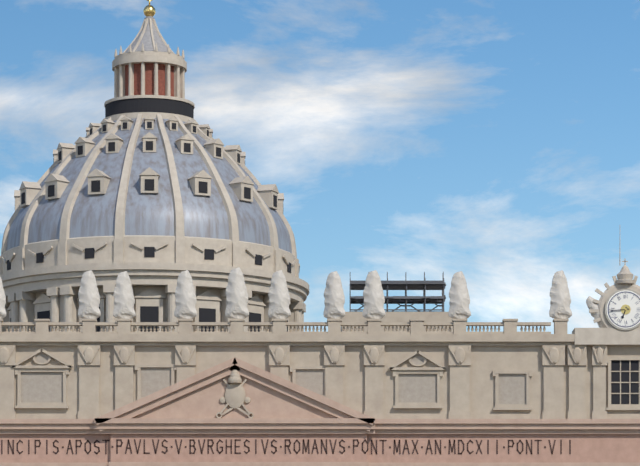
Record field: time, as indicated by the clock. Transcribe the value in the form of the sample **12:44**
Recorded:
**6:44**
